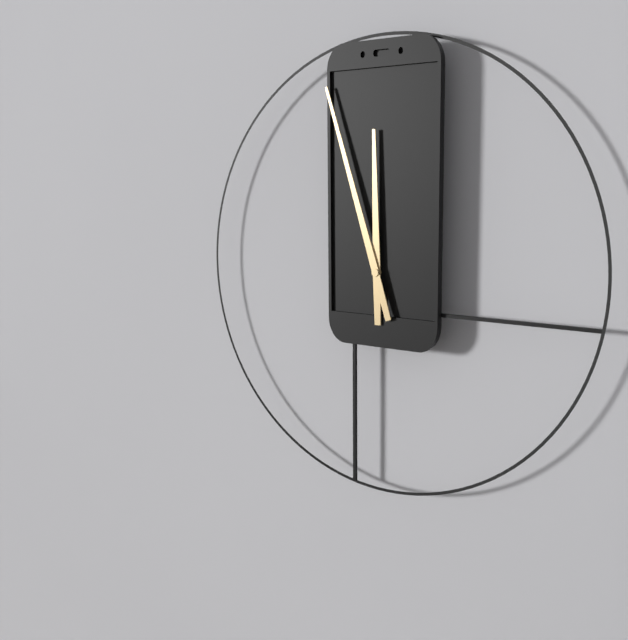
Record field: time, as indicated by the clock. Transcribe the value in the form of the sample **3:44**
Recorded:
**11:57**
